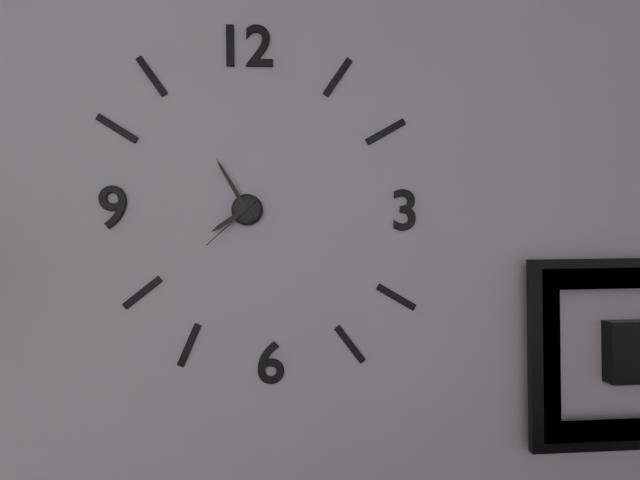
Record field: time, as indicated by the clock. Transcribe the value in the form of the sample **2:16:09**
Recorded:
**7:55:38**
